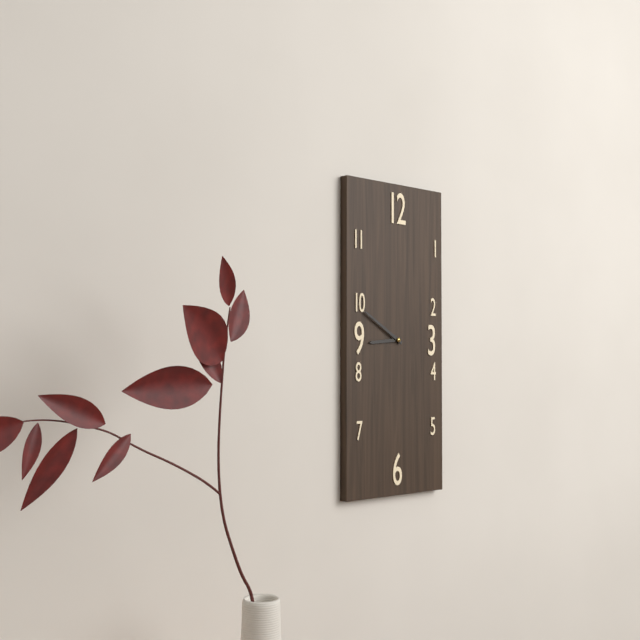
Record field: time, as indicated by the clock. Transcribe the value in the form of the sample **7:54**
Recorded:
**8:50**
